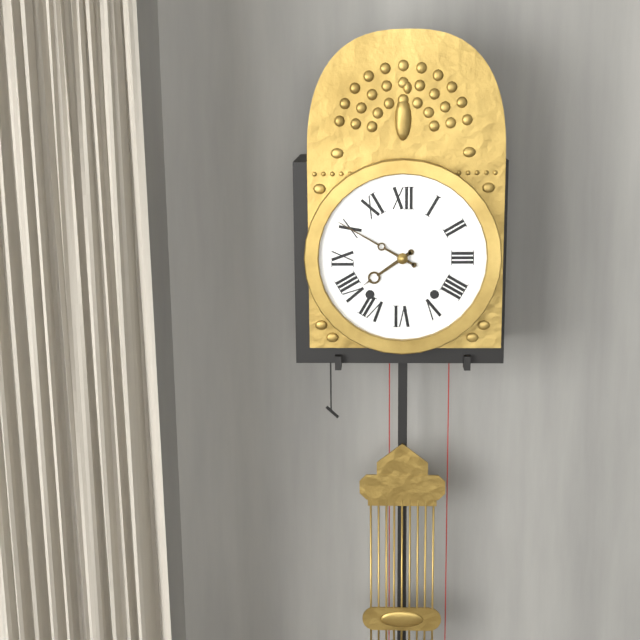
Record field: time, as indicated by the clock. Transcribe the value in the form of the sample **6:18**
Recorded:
**7:50**
